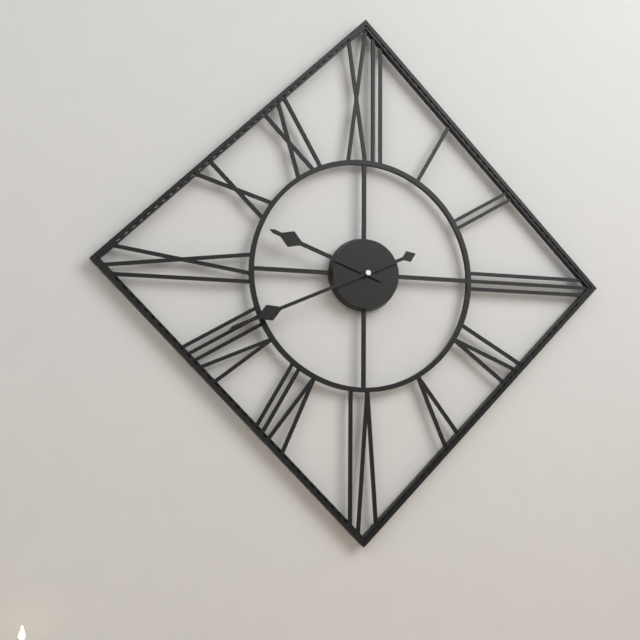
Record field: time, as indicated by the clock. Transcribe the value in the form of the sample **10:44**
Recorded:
**9:41**
